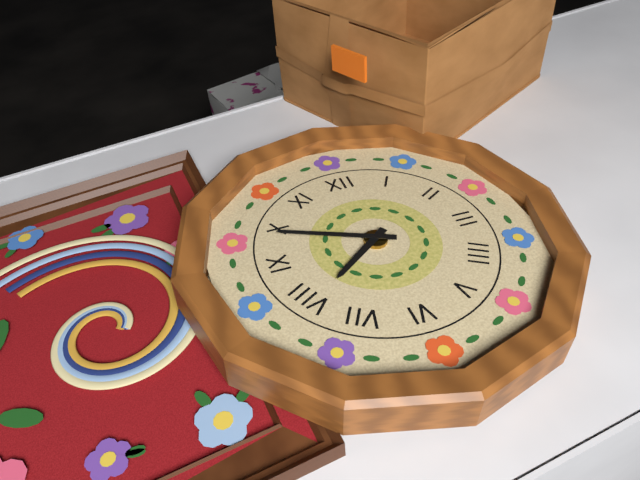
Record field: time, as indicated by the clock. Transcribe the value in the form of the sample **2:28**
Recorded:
**7:49**
